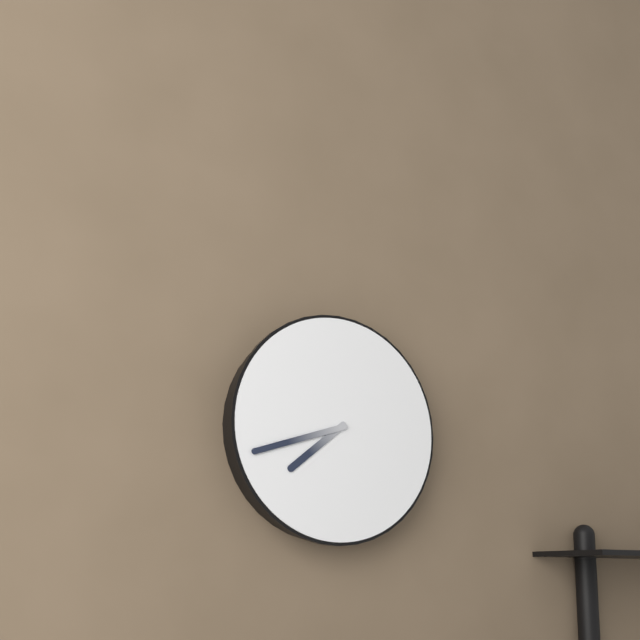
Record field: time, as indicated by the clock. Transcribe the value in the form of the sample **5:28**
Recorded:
**7:42**
